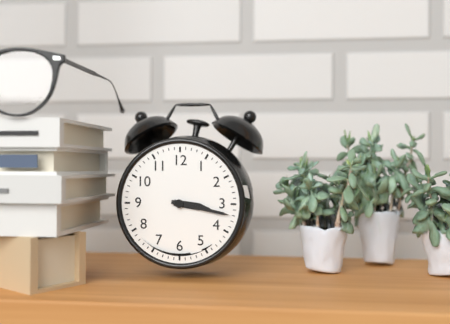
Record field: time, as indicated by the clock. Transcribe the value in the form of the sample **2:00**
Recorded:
**3:17**
